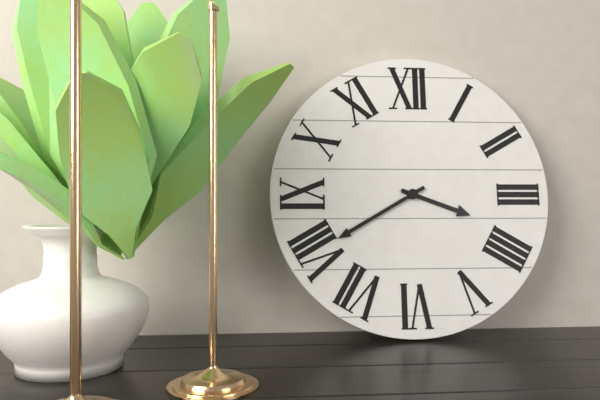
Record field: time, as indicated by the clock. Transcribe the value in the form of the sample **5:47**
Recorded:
**3:40**
